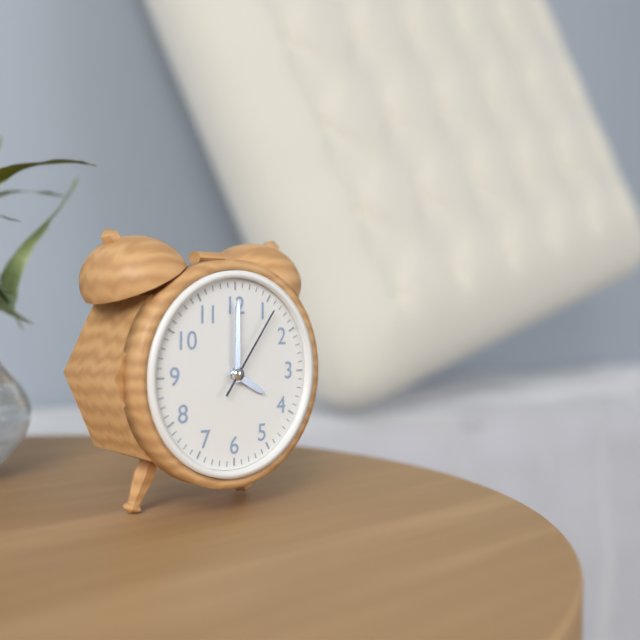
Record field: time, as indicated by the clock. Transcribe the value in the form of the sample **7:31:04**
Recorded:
**4:00:06**
